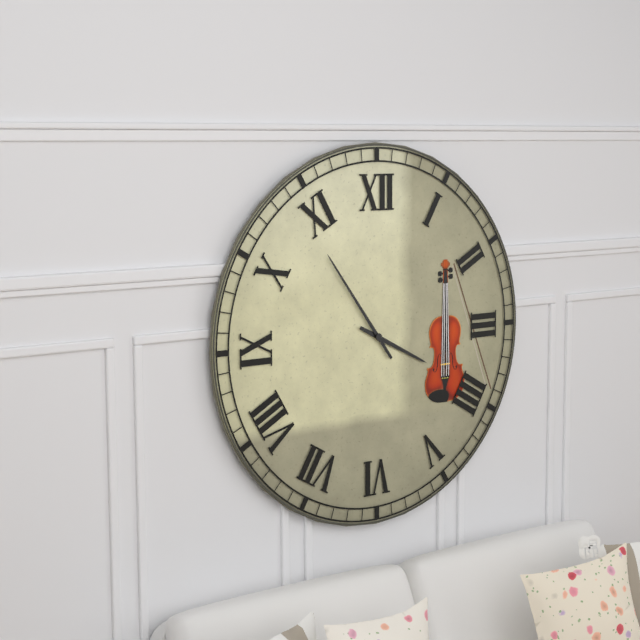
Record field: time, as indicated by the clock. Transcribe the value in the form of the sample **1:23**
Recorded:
**3:54**
